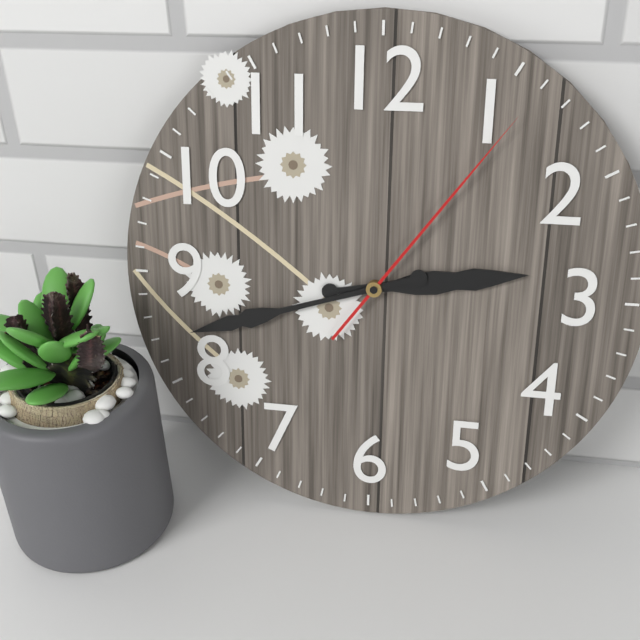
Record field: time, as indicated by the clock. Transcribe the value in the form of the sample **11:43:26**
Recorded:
**2:42:06**
